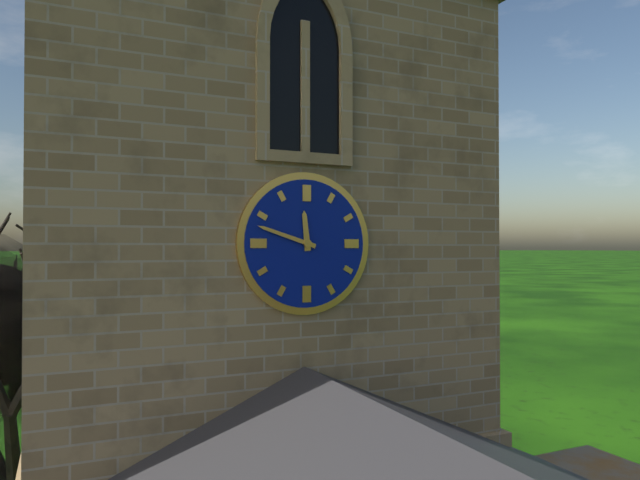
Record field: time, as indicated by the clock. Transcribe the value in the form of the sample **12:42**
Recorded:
**11:48**
